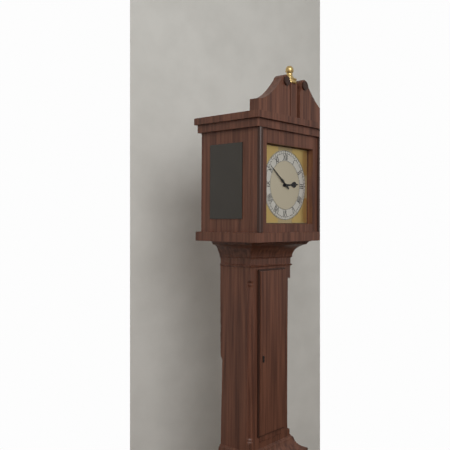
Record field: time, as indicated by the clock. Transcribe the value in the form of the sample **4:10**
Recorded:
**2:51**
